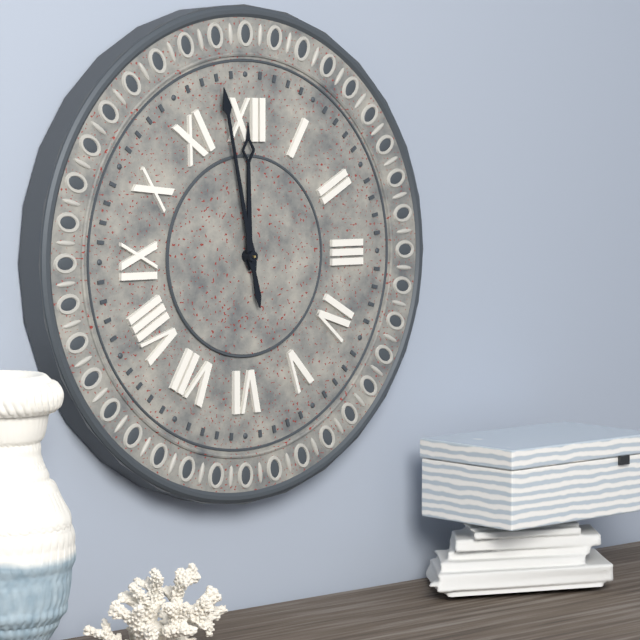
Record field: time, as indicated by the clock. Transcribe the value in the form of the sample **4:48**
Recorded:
**11:58**
